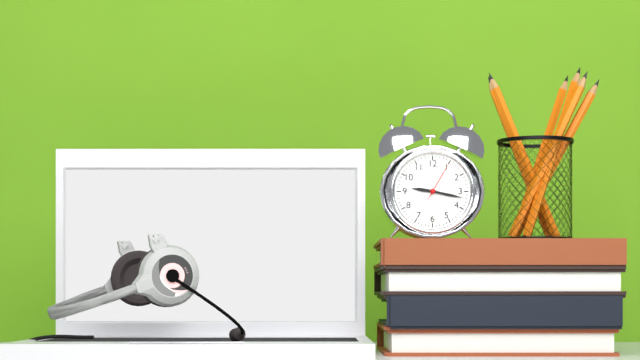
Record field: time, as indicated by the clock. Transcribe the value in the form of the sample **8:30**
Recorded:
**9:17**
